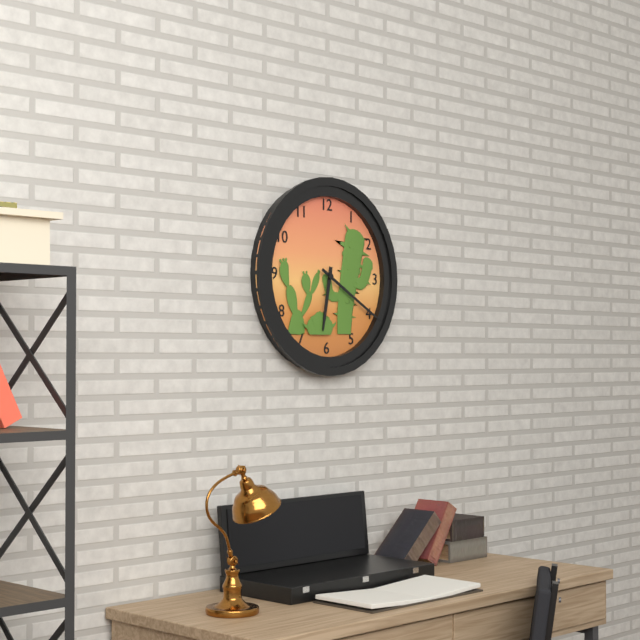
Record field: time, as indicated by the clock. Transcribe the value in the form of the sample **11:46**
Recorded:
**6:20**
